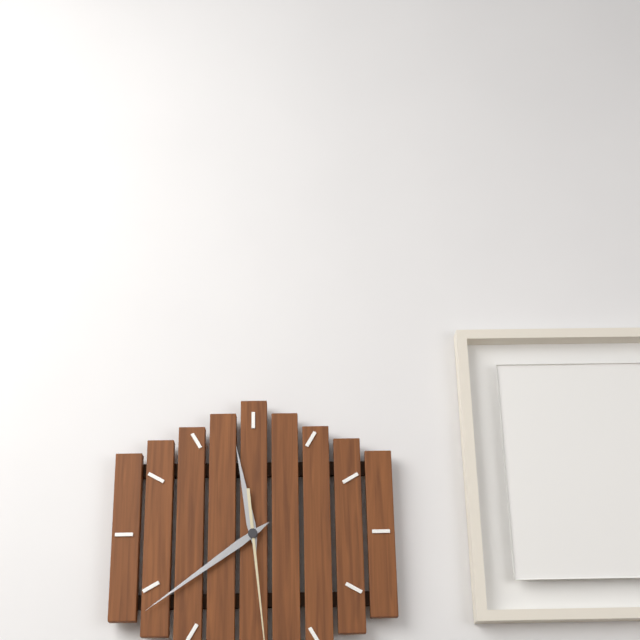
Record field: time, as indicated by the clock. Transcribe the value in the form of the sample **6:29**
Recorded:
**11:39**
